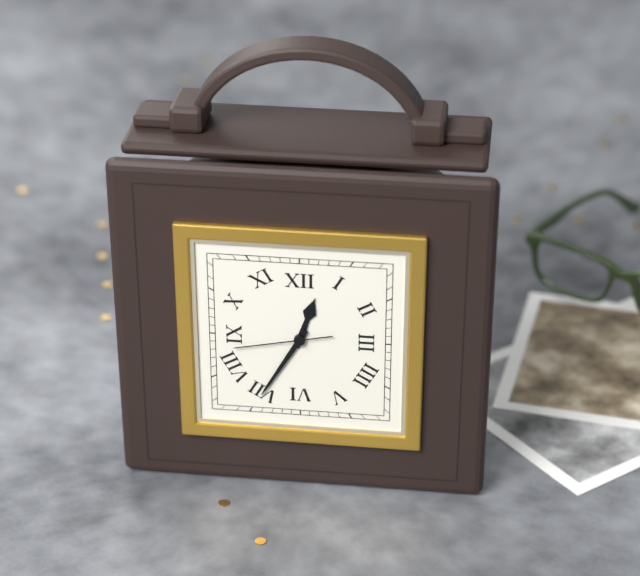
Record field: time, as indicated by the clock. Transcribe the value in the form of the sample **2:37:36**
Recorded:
**12:35:43**
